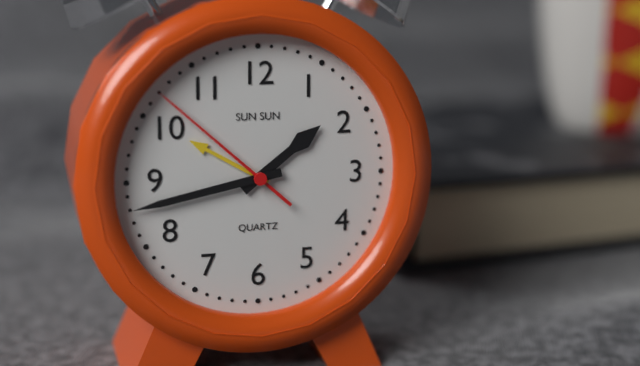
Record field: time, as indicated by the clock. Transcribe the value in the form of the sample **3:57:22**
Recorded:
**1:43:52**
